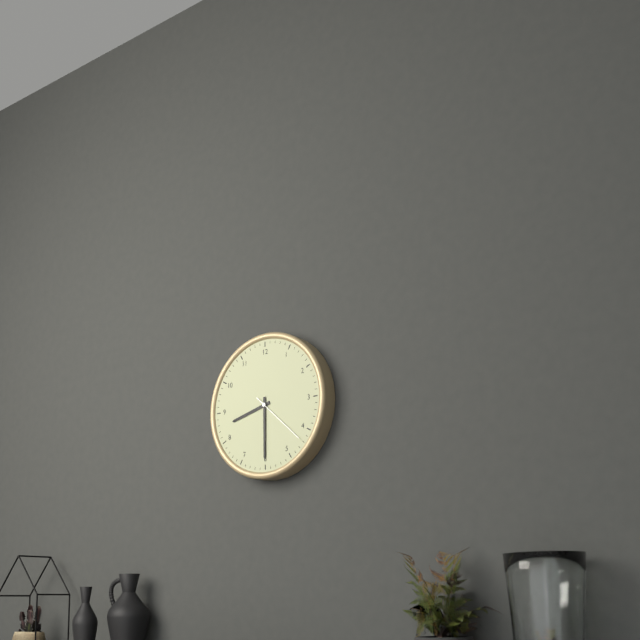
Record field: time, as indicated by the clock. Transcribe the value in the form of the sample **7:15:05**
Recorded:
**8:30:22**
